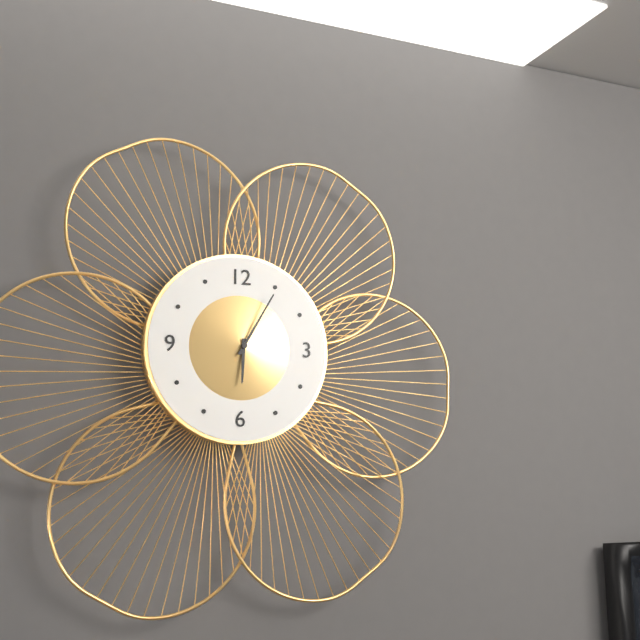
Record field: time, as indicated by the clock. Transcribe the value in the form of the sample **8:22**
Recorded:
**6:05**
